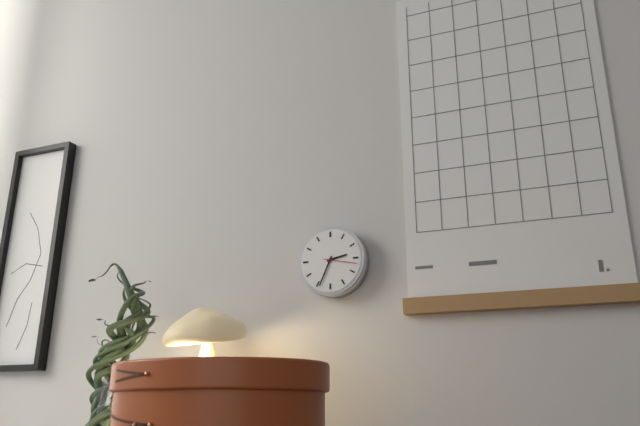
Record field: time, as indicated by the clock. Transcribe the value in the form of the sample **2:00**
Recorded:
**2:34**
